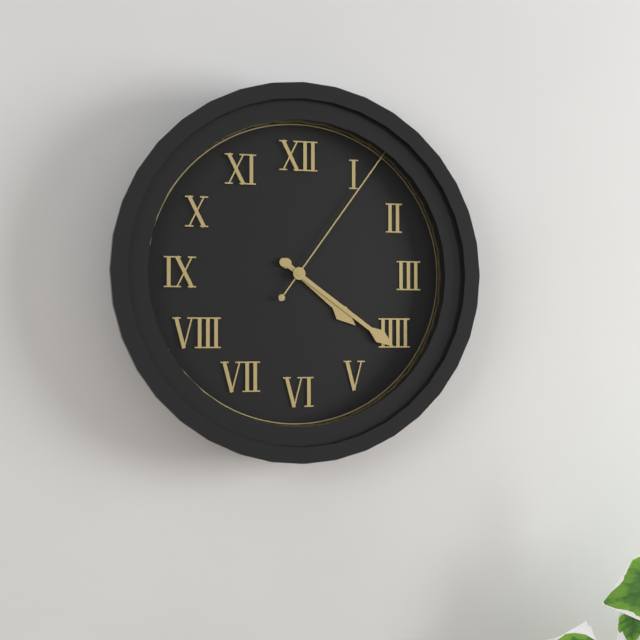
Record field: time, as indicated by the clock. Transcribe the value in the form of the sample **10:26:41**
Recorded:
**4:21:06**
